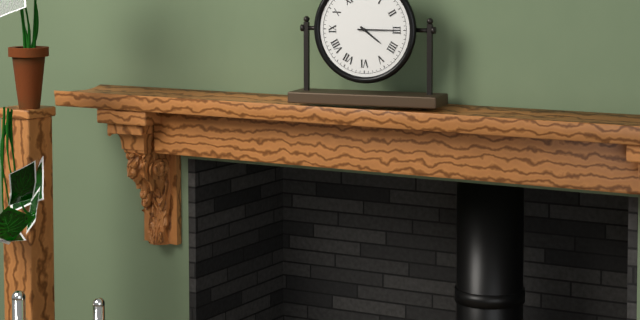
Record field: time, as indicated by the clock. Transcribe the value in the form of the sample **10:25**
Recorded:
**4:15**
